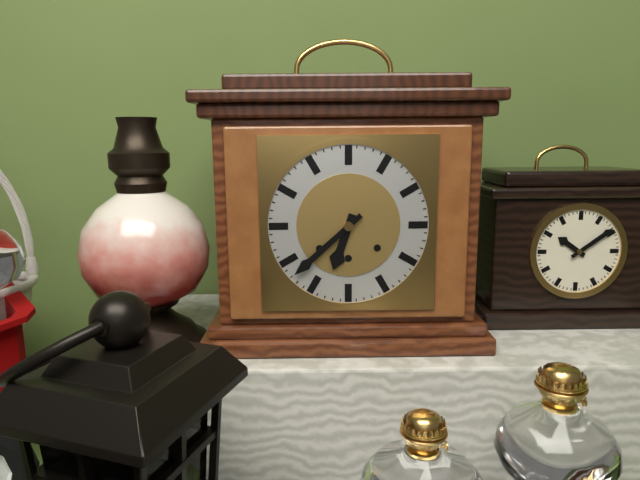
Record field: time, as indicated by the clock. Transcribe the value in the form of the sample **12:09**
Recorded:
**6:38**
